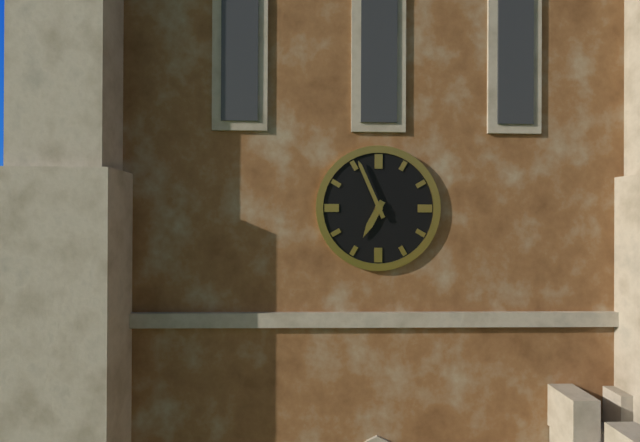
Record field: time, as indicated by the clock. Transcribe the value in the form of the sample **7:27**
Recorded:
**6:56**
